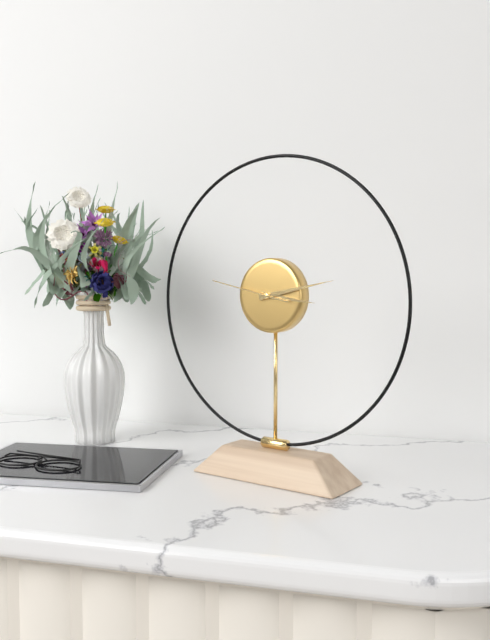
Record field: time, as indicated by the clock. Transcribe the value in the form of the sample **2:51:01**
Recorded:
**3:13:47**
